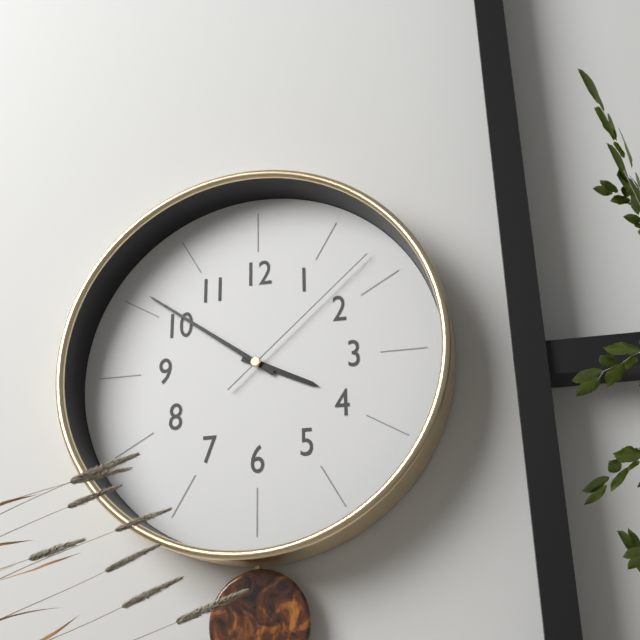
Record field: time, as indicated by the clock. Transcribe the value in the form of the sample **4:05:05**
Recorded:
**3:51:08**
